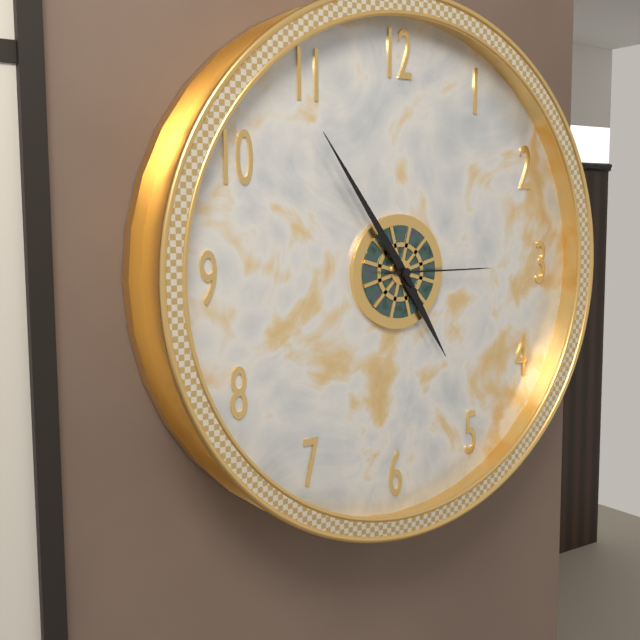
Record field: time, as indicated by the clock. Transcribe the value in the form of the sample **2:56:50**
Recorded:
**4:54:15**
